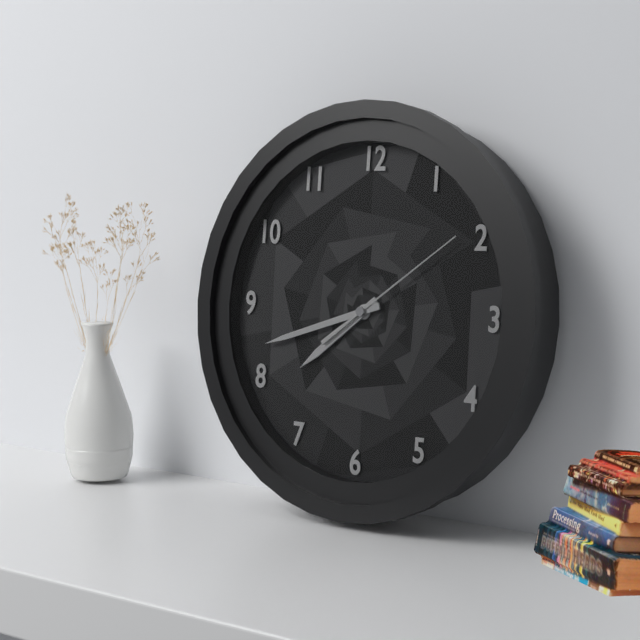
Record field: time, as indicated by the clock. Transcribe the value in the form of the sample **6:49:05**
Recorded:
**7:42:09**
